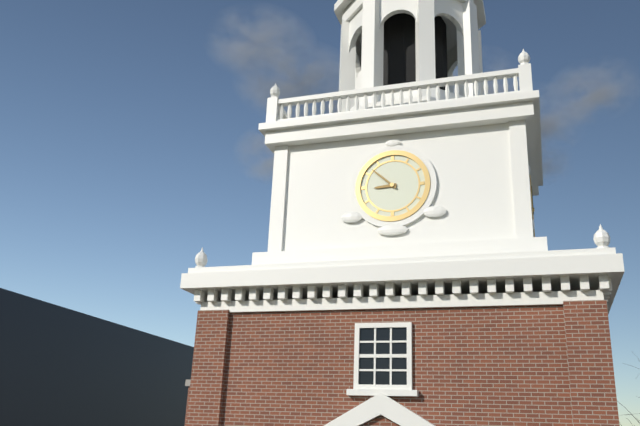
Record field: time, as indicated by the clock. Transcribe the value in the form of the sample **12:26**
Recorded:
**8:52**
